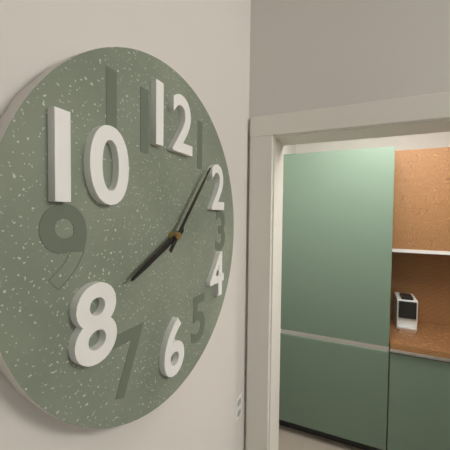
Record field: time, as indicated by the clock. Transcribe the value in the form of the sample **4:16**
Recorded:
**8:07**
